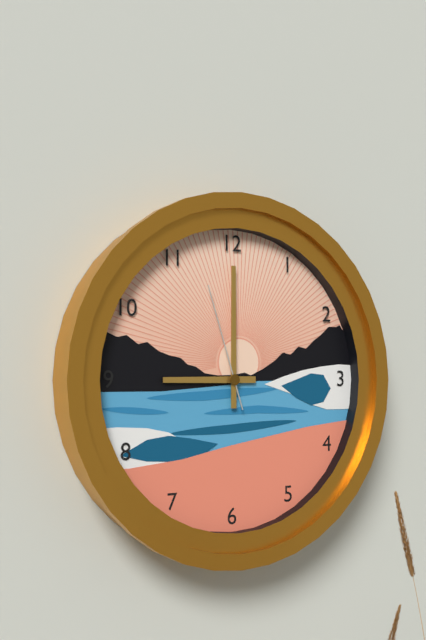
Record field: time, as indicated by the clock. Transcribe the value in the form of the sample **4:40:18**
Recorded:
**9:00:57**
